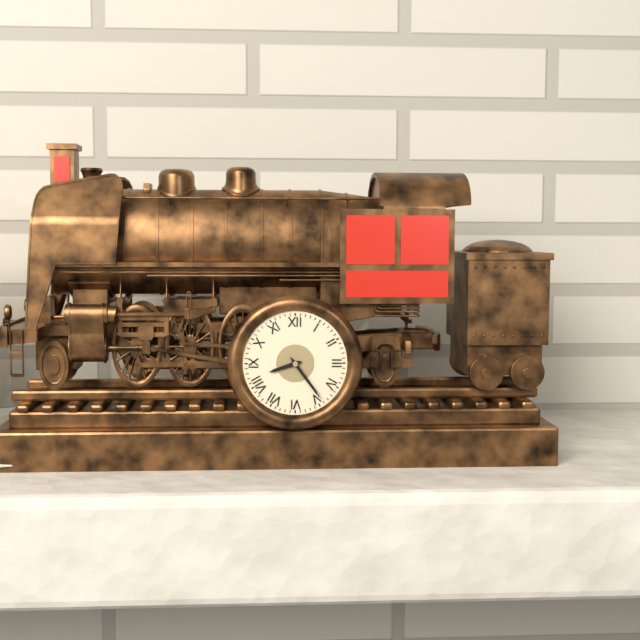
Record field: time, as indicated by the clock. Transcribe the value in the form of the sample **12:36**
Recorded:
**8:24**
